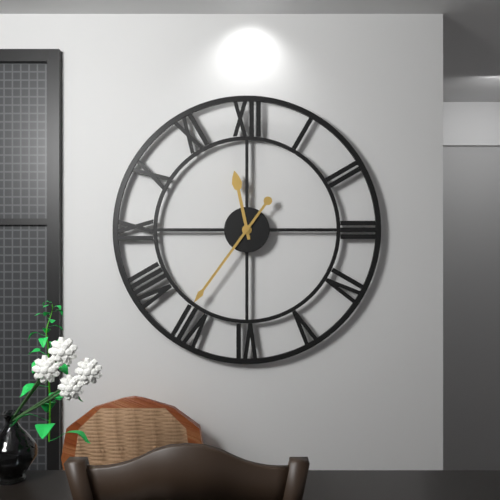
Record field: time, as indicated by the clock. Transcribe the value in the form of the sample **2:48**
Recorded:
**11:36**
